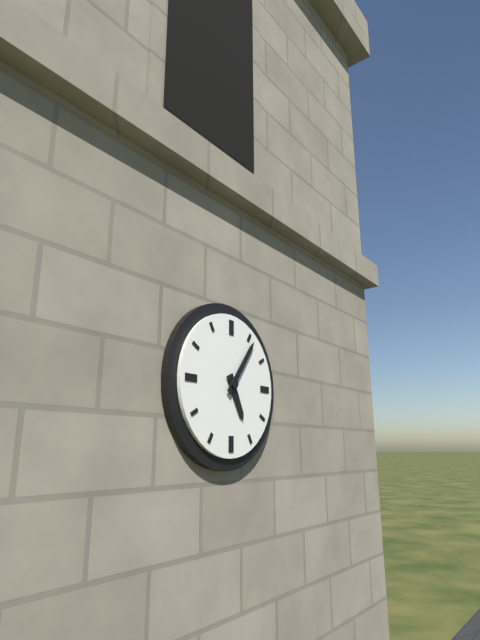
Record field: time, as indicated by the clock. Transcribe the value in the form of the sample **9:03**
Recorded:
**5:06**
